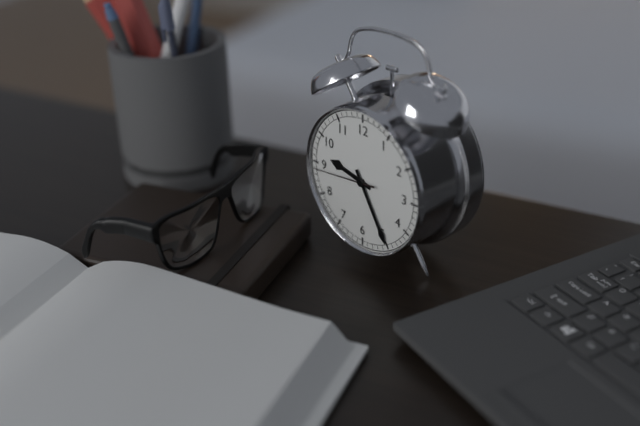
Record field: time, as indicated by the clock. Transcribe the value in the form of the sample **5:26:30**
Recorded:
**9:25:44**
